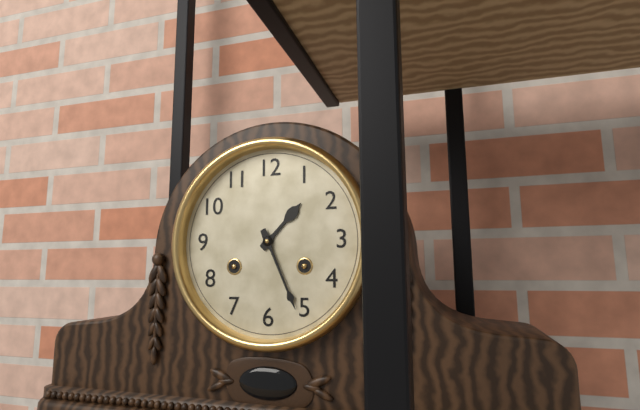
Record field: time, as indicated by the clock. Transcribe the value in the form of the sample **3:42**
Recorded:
**1:26**
